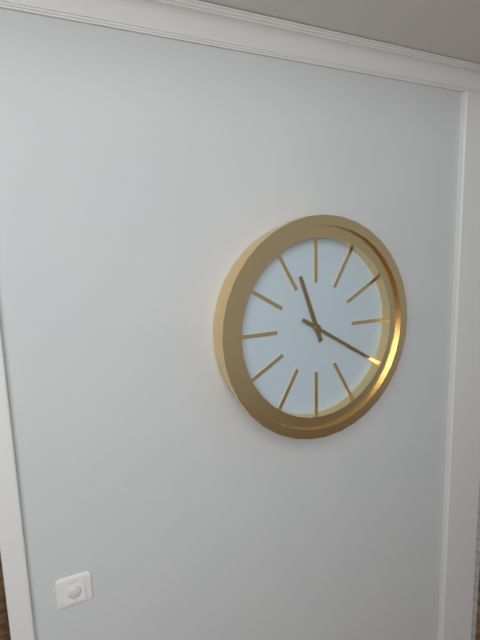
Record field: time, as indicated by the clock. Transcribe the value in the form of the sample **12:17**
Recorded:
**11:20**
